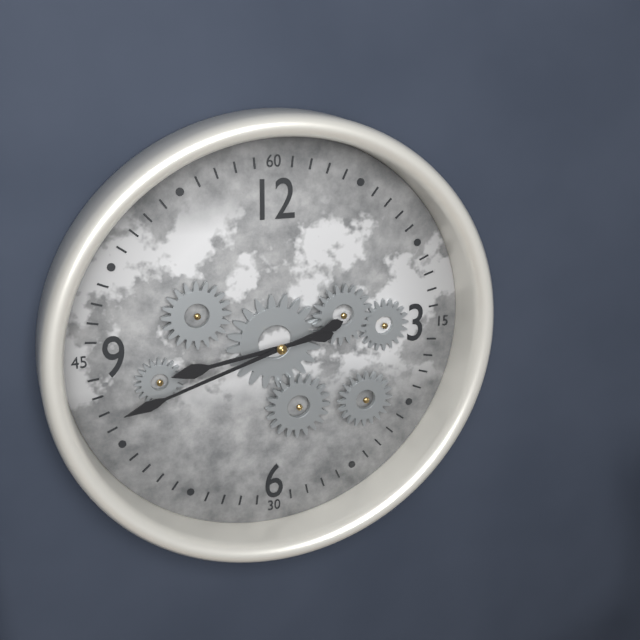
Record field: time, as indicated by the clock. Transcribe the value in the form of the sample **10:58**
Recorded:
**8:42**
